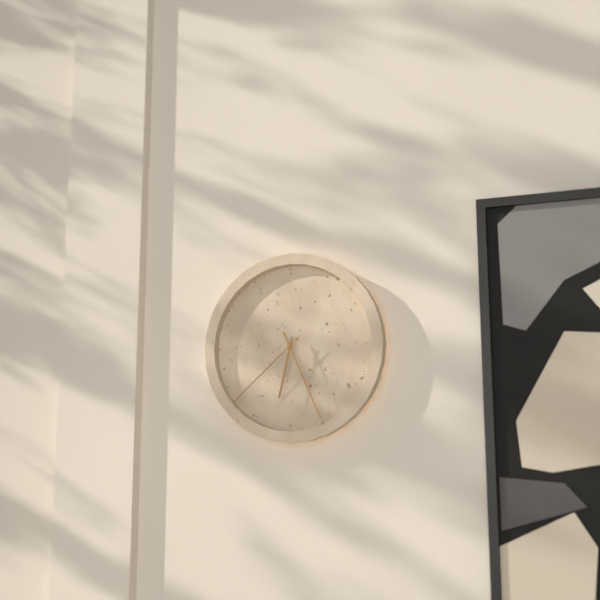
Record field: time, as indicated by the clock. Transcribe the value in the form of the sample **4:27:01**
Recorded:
**6:26:38**
